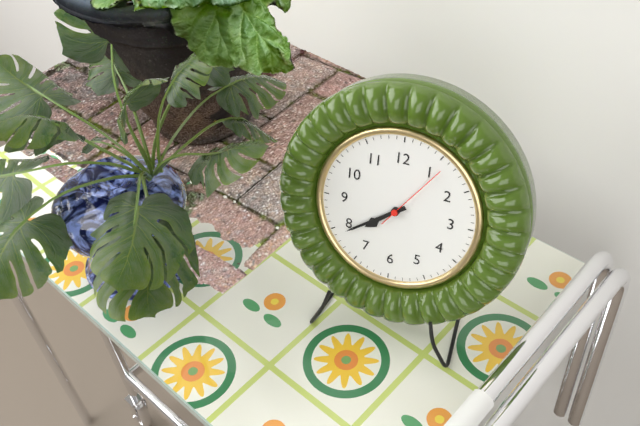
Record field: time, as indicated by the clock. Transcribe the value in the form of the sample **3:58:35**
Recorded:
**7:39:06**
